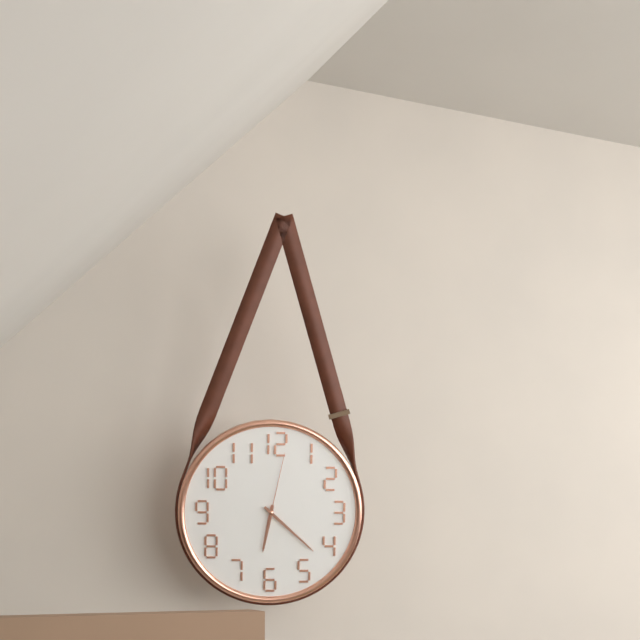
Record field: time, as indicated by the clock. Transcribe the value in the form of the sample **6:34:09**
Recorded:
**6:22:02**
